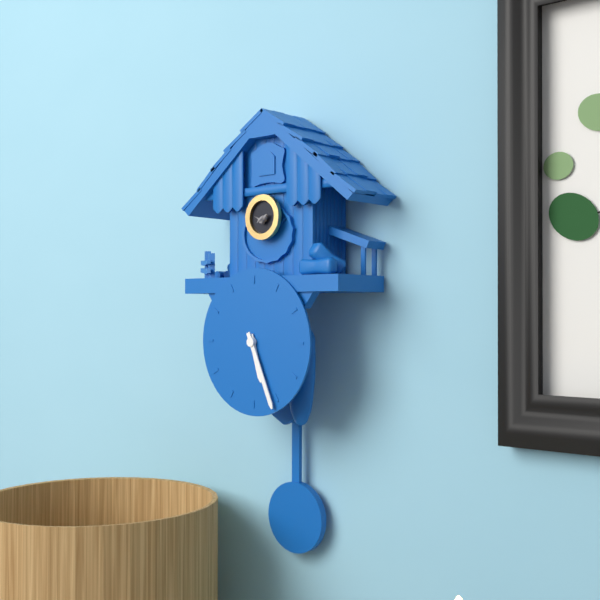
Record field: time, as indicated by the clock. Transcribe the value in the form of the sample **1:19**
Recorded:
**5:26**
